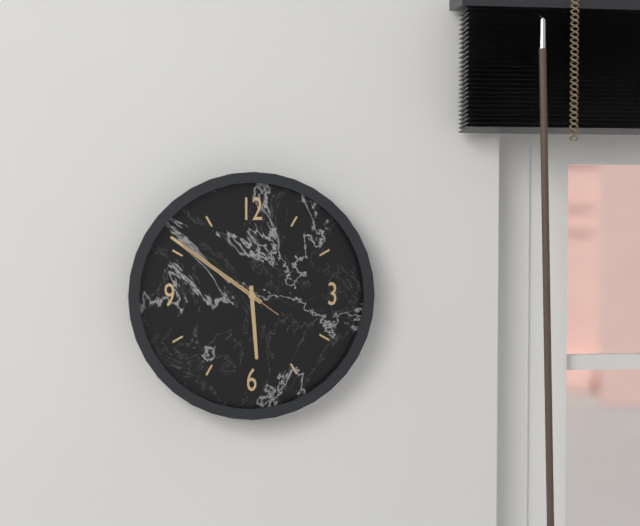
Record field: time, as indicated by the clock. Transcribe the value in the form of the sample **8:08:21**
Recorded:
**5:51:51**
